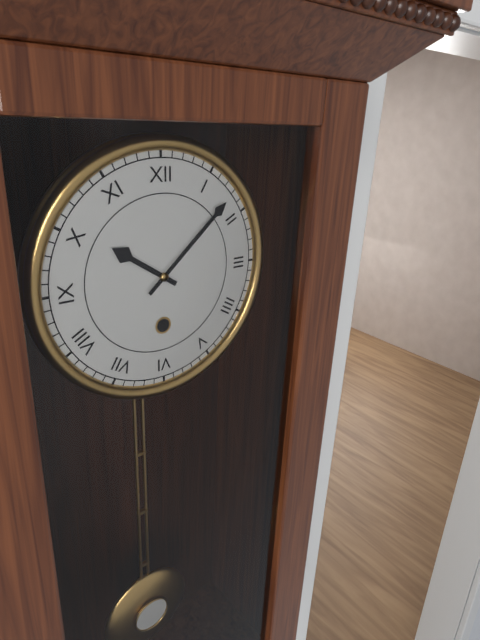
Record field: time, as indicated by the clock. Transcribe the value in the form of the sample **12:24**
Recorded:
**10:08**
